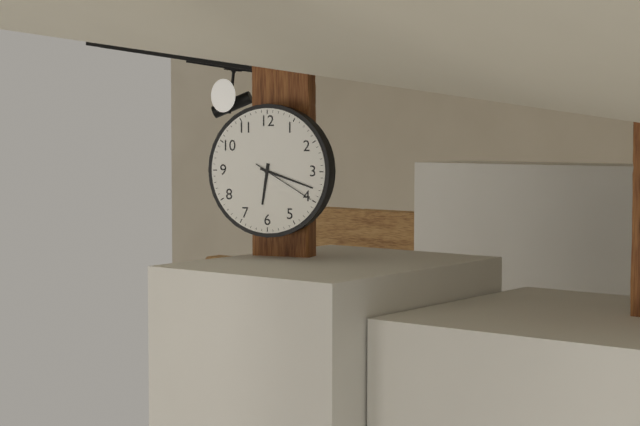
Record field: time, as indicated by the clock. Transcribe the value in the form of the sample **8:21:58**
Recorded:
**6:18:20**
